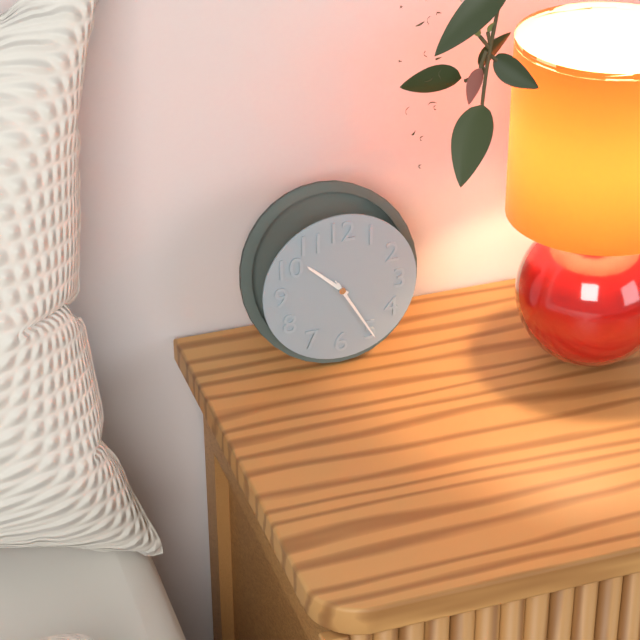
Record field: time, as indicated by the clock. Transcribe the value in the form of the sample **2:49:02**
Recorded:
**10:25:25**
